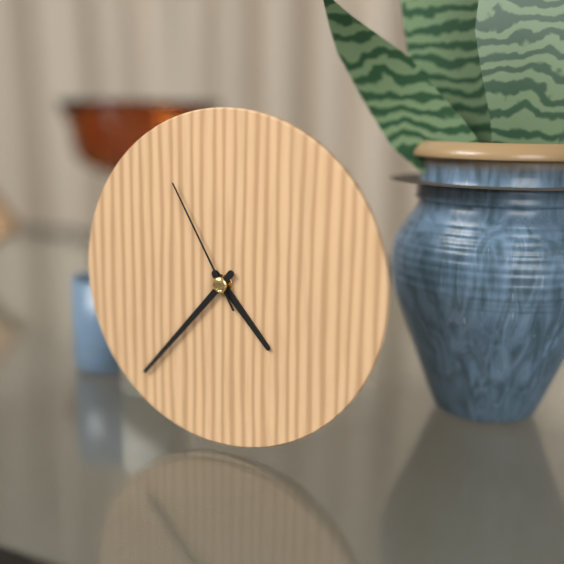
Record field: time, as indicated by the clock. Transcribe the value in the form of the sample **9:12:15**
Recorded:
**4:37:55**
